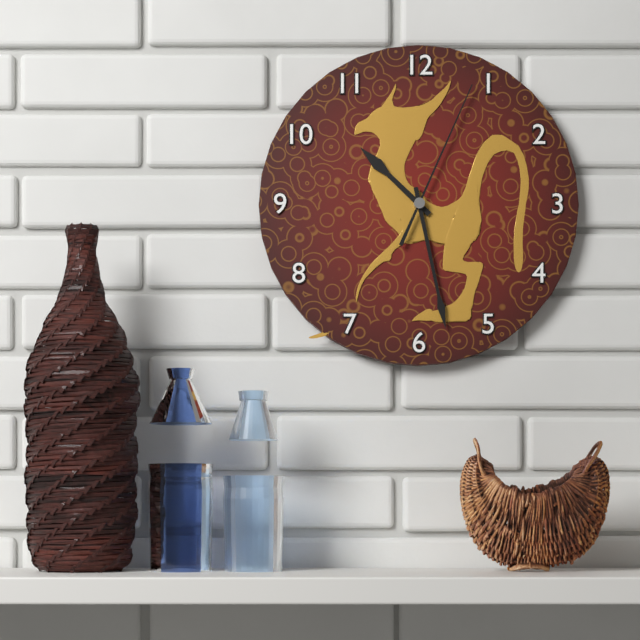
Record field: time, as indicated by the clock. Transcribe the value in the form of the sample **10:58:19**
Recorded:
**10:28:04**
